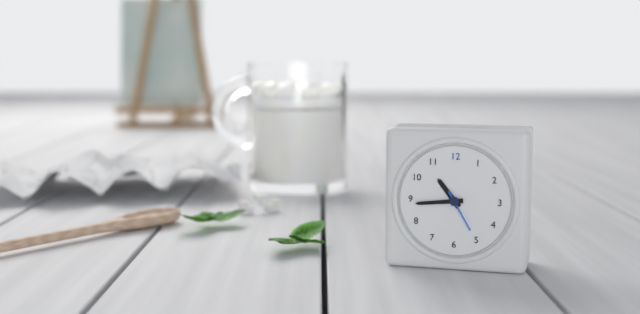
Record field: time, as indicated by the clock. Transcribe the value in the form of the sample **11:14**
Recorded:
**10:44**
